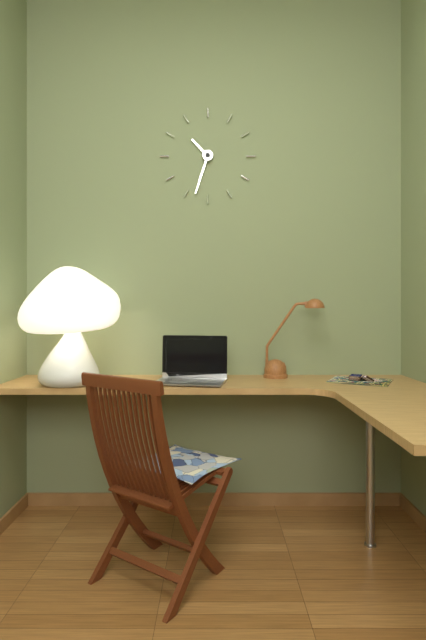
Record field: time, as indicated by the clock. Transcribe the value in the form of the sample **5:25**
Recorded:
**10:33**
